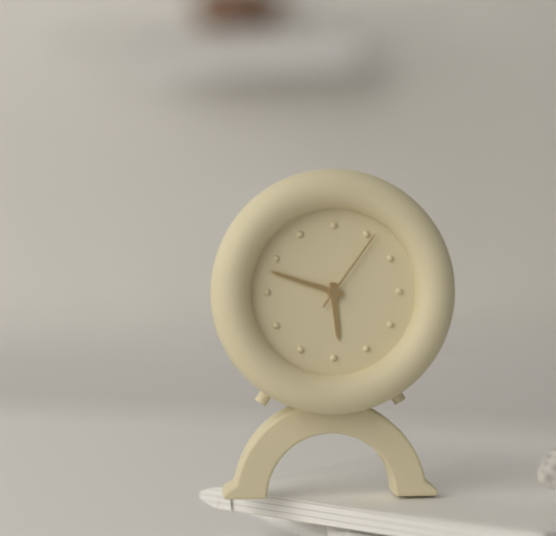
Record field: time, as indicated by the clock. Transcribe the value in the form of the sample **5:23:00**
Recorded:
**5:48:06**
